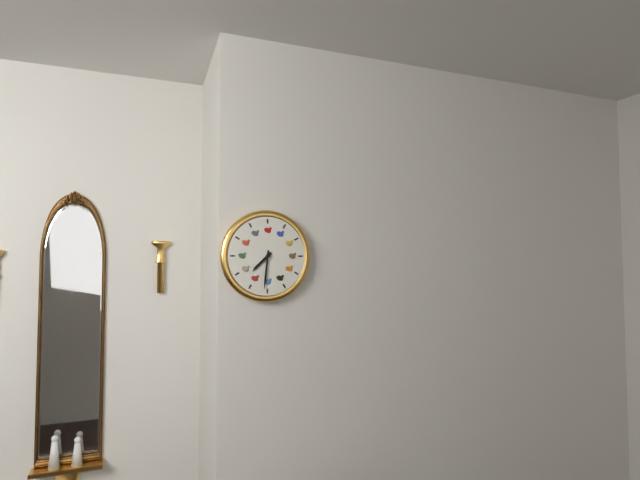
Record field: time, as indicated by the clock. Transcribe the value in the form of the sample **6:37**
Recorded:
**7:31**
